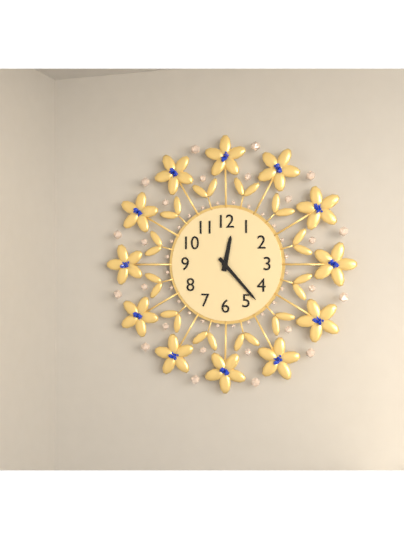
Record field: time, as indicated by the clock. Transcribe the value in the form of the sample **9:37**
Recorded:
**12:23**
